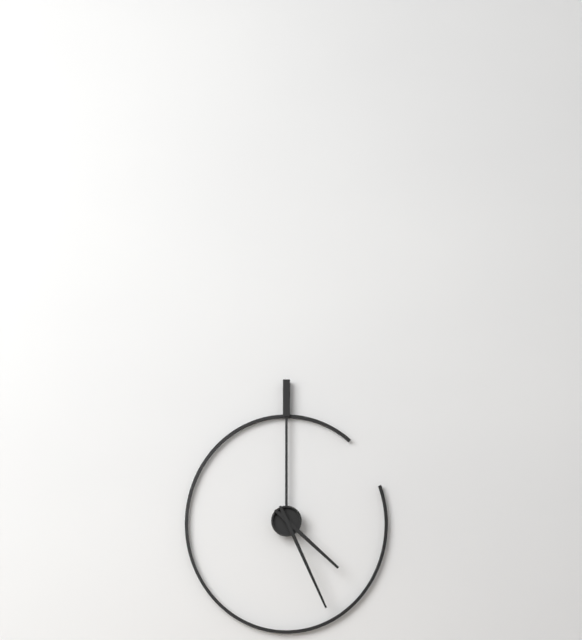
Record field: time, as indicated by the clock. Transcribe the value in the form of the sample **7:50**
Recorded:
**4:26**
